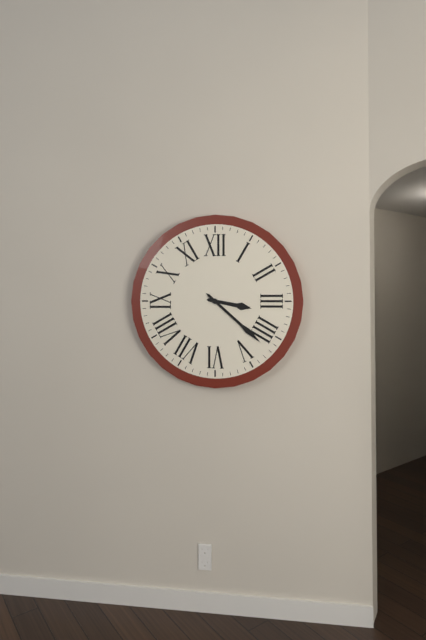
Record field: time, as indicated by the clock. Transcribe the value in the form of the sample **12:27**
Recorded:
**3:22**
